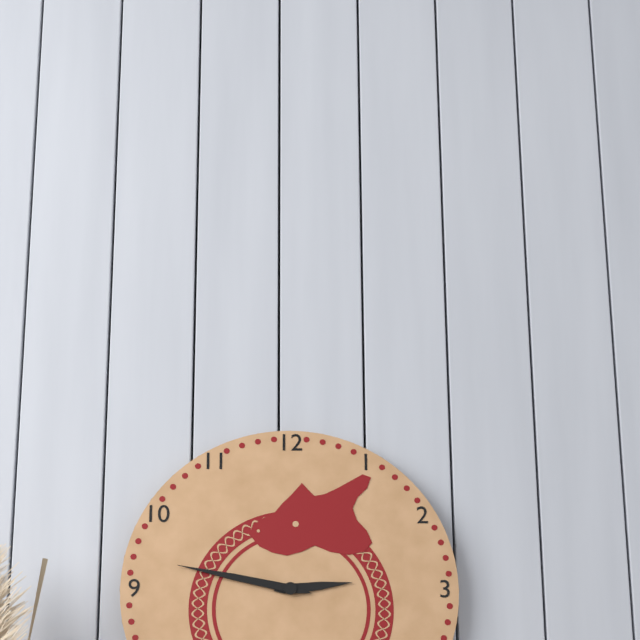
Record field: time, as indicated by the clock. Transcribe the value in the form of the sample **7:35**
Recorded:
**2:47**
